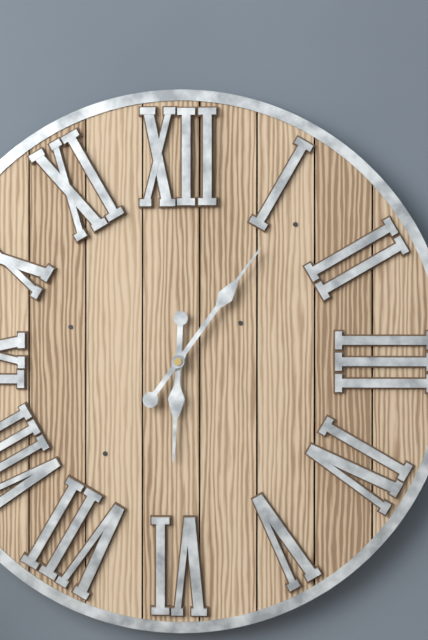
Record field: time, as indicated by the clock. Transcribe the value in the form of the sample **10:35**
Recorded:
**6:06**
